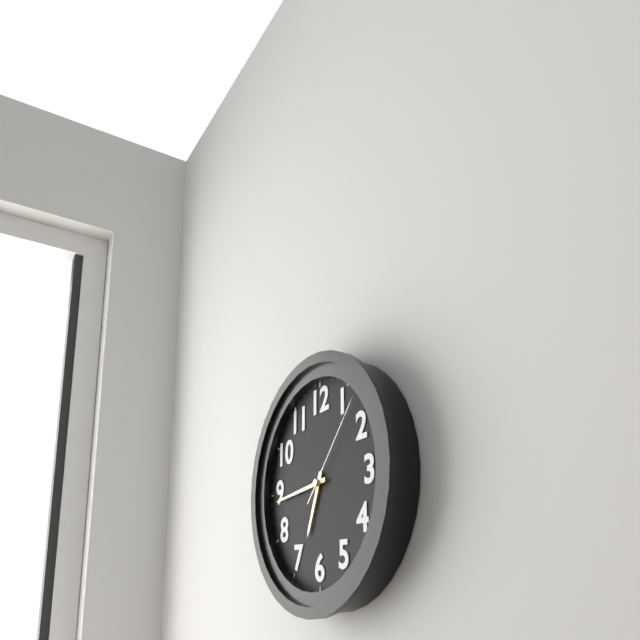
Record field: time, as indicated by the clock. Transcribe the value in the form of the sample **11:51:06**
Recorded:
**6:44:07**
